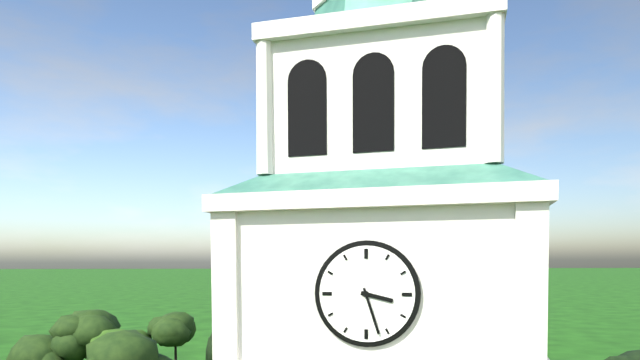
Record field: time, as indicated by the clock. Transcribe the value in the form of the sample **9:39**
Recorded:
**3:27**
